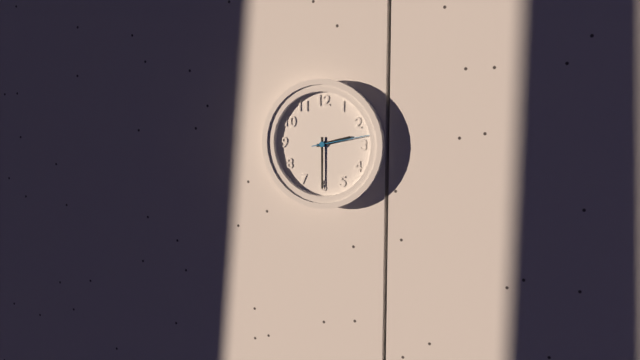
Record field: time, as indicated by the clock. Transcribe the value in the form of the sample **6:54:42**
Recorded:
**2:30:13**
